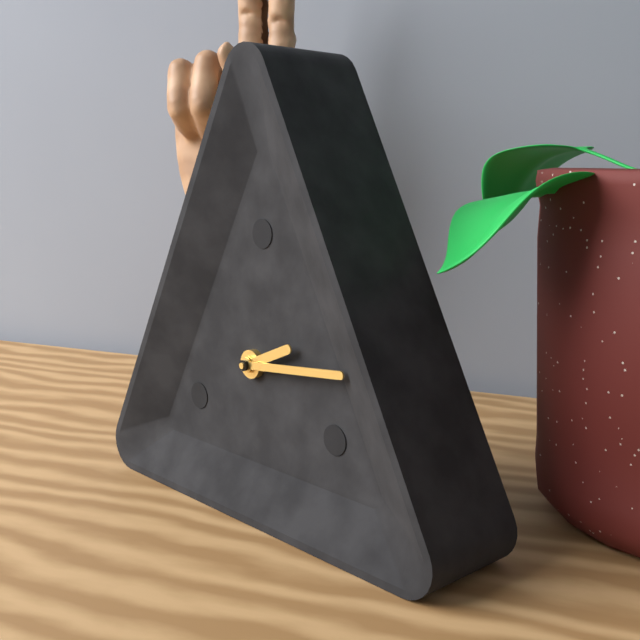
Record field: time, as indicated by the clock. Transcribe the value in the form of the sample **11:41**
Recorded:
**2:14**
